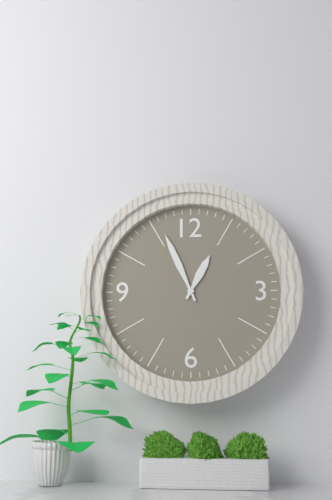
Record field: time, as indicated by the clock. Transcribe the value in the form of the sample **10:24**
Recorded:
**12:56**
